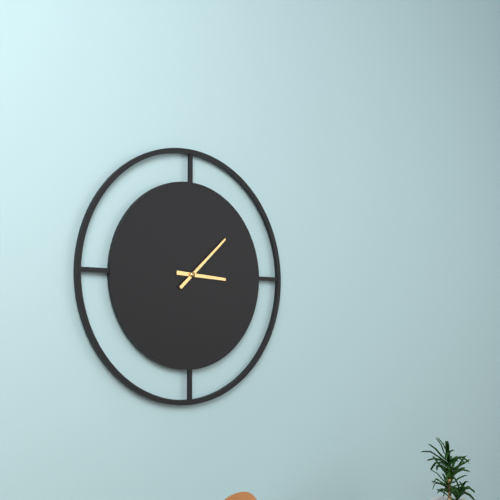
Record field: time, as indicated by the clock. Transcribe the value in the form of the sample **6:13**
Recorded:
**3:08**
